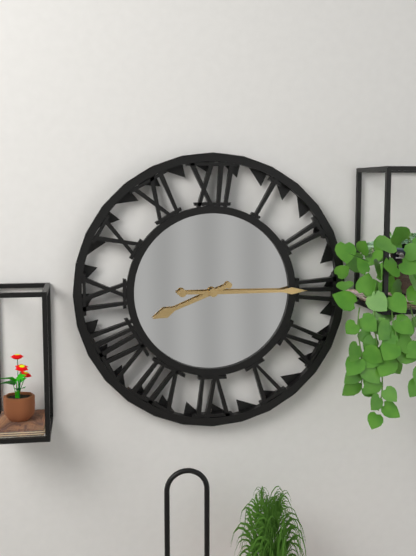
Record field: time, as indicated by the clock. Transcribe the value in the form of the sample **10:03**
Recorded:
**8:15**
